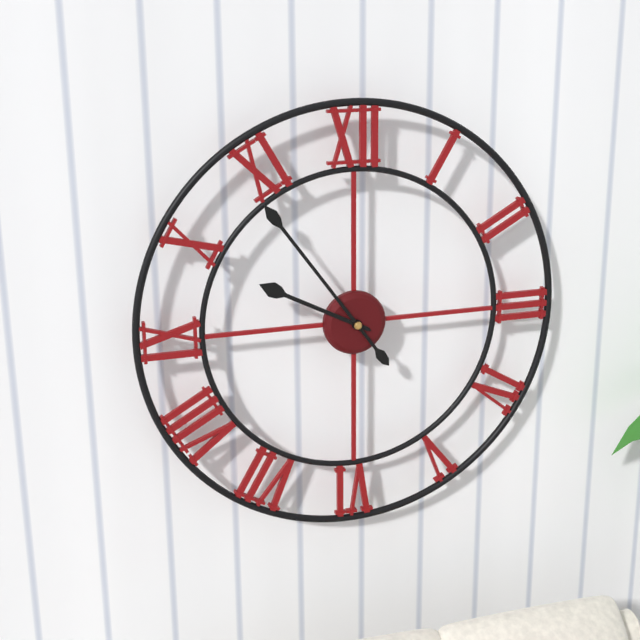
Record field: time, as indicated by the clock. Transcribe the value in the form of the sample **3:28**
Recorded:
**9:54**
